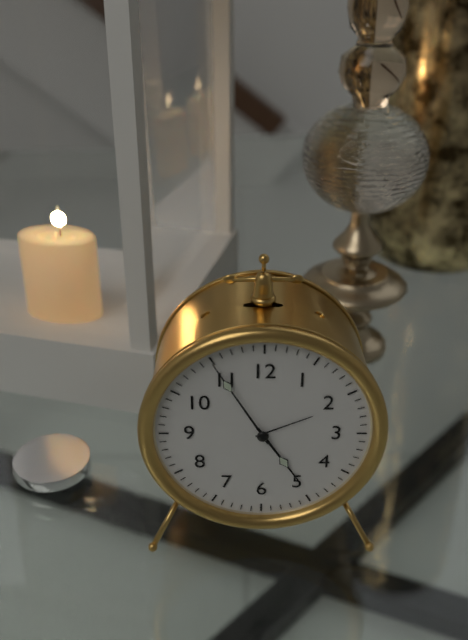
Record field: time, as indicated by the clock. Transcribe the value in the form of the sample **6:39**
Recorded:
**4:55**
